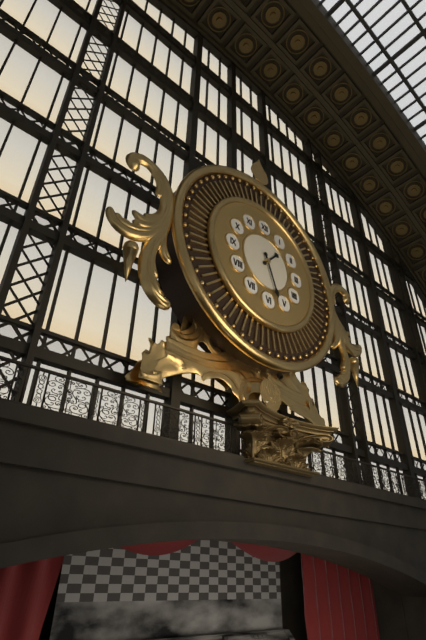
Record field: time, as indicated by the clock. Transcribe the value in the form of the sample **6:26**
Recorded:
**1:27**
